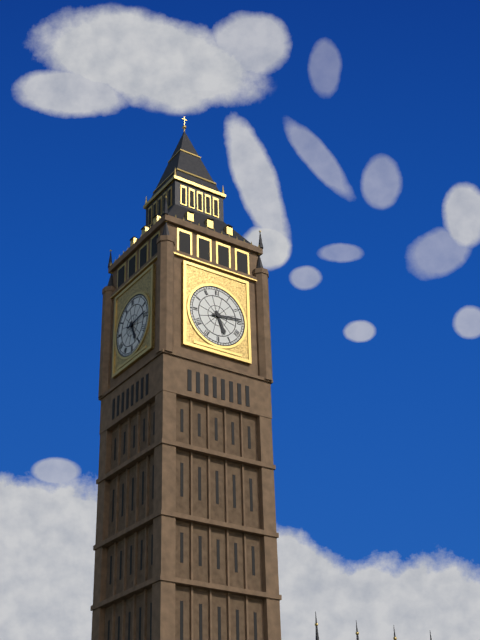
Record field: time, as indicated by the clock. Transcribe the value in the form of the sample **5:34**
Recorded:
**5:14**
